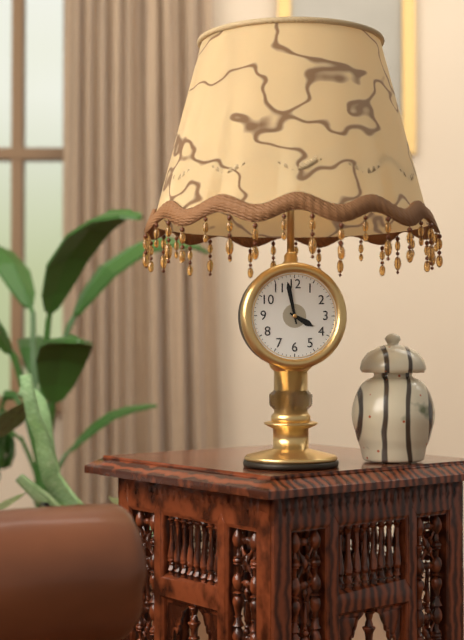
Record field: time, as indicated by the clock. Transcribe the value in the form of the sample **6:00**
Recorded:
**3:58**
